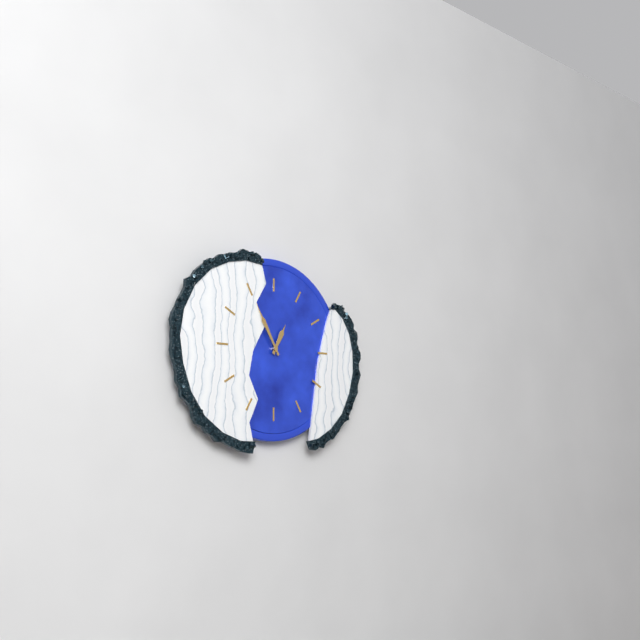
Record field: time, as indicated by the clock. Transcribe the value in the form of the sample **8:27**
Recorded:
**12:55**
